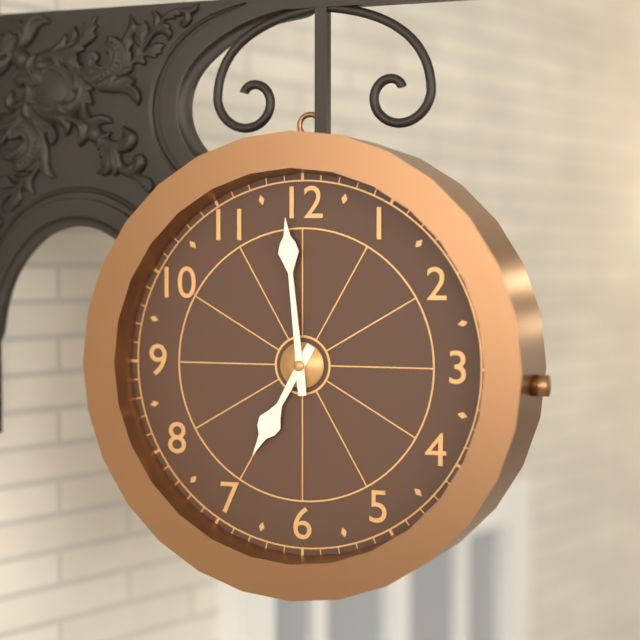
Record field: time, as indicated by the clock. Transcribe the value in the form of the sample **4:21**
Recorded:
**6:59**
